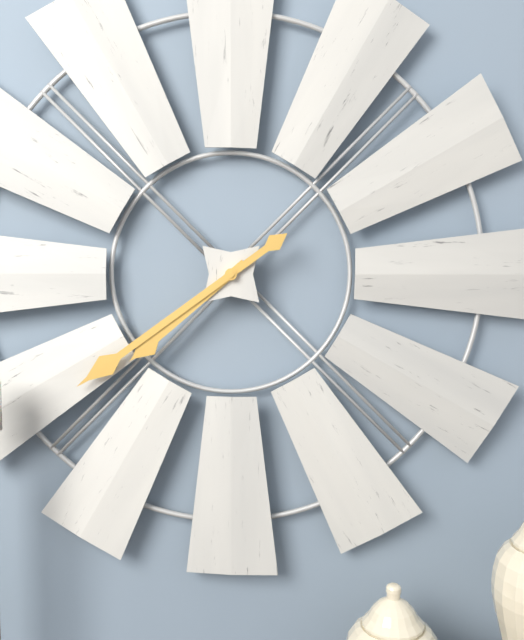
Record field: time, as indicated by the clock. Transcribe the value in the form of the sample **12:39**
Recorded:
**7:39**
